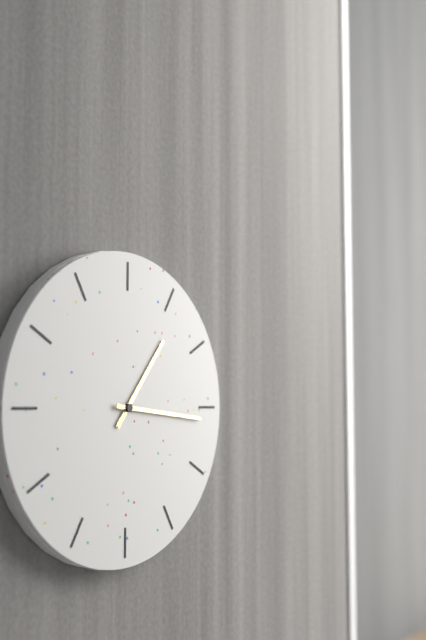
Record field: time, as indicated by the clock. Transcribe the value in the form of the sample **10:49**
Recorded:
**1:16**
